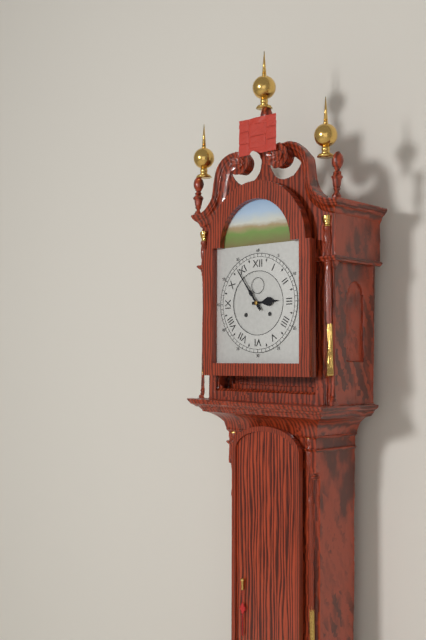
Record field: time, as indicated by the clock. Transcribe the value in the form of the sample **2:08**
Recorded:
**2:54**
